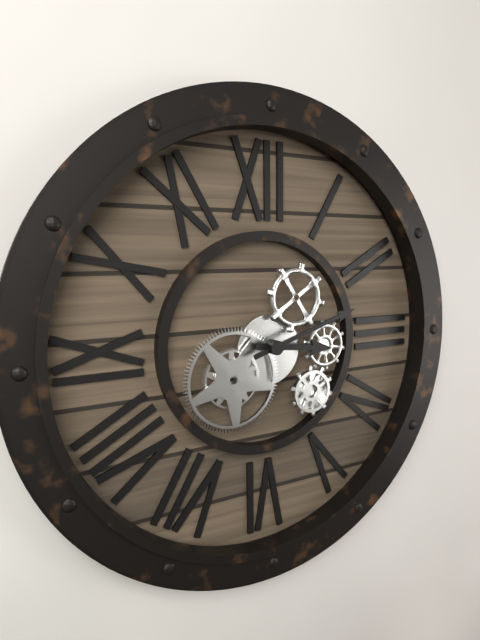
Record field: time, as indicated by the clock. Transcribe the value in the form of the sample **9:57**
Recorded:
**3:12**
